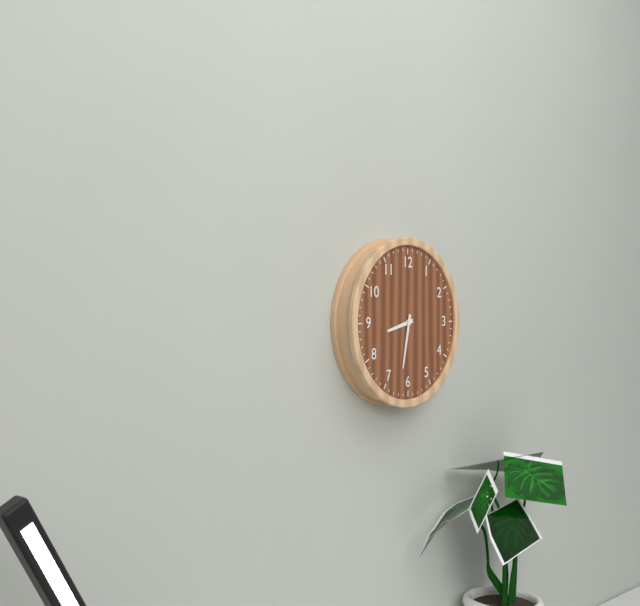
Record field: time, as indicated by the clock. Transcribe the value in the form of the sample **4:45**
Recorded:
**8:32**
